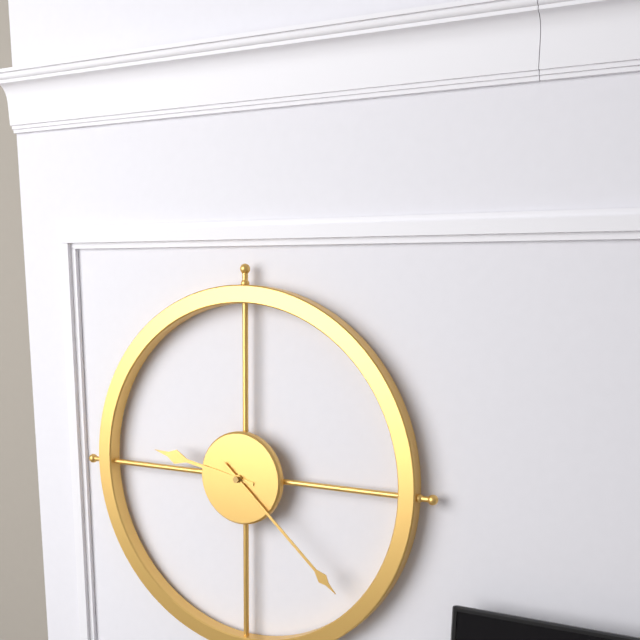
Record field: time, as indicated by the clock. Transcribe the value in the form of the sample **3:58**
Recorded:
**9:22**
